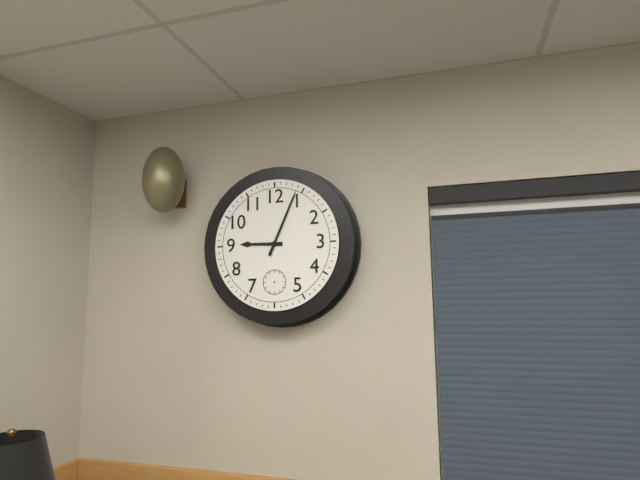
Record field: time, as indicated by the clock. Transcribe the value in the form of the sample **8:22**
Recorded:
**9:04**
